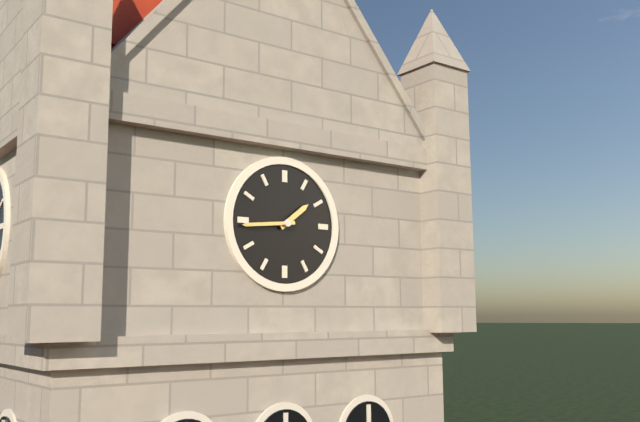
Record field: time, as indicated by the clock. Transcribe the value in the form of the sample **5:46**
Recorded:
**1:44**
